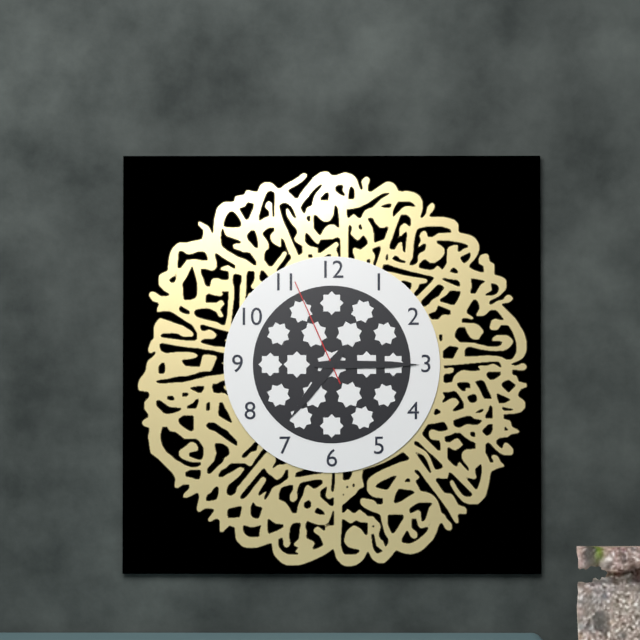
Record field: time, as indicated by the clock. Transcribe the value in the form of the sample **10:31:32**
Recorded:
**7:15:56**
